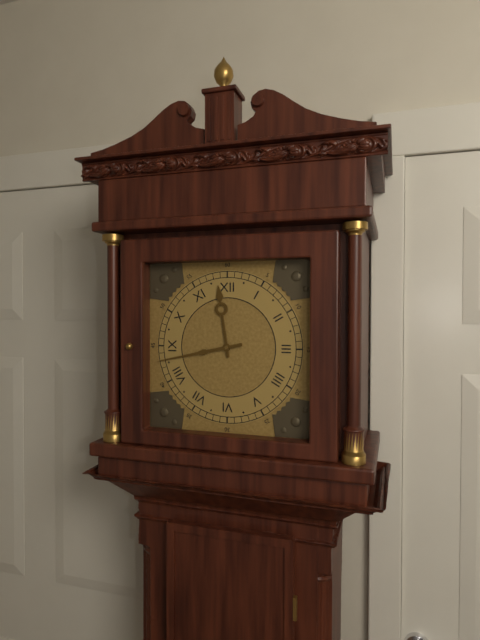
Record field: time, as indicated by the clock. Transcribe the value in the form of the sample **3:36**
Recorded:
**11:43**
